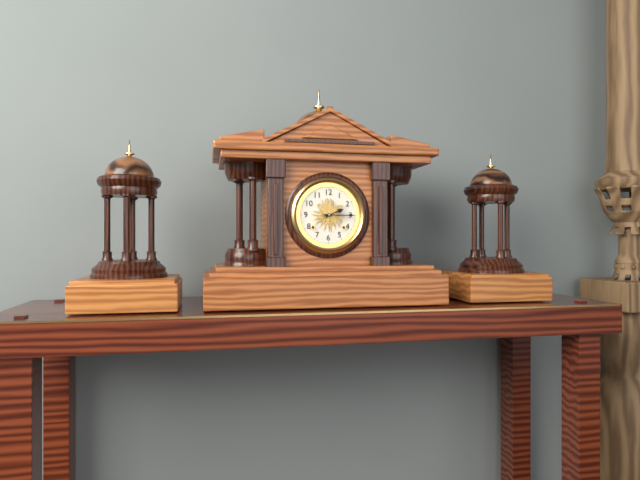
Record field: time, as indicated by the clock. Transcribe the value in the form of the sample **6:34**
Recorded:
**2:15**
